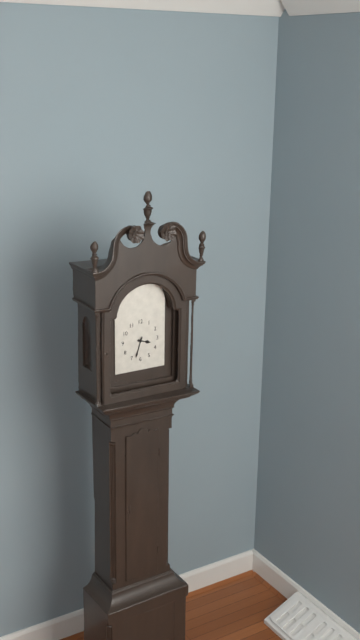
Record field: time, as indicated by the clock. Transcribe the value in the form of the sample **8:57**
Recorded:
**3:33**
